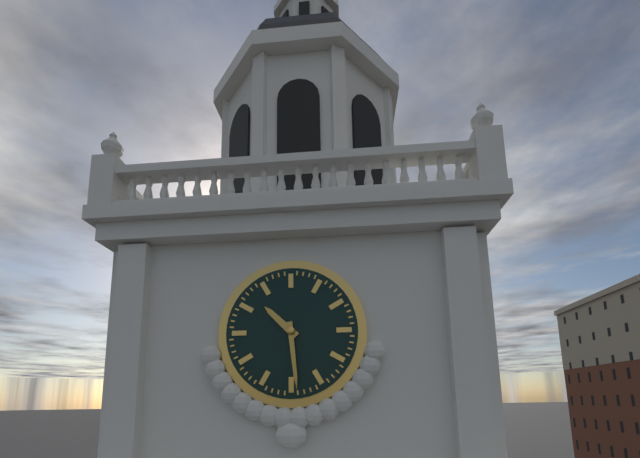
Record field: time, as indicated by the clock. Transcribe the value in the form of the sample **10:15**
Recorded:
**10:29**
